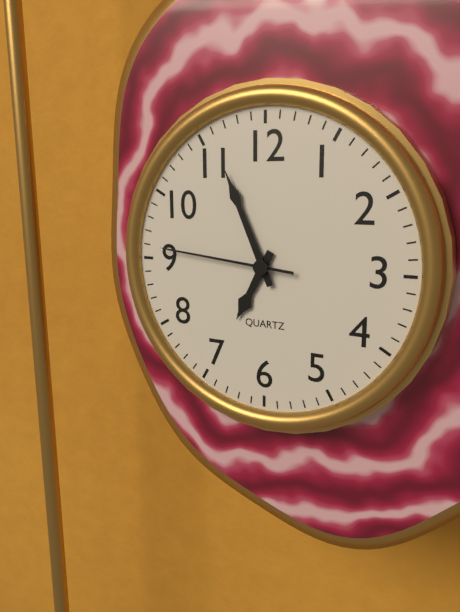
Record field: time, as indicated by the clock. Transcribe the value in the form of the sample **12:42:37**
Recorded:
**6:56:46**
